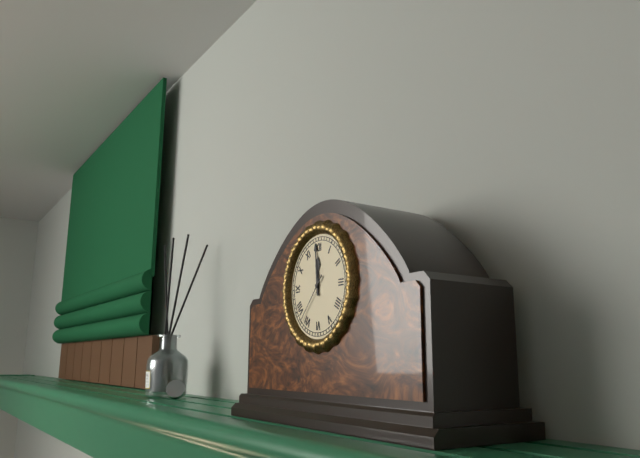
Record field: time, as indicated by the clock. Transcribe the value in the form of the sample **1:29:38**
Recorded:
**11:59:37**
